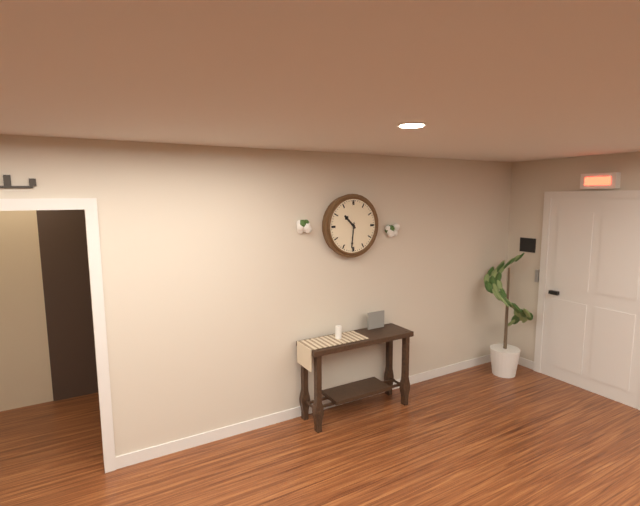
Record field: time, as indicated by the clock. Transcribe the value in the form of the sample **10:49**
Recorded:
**10:31**
